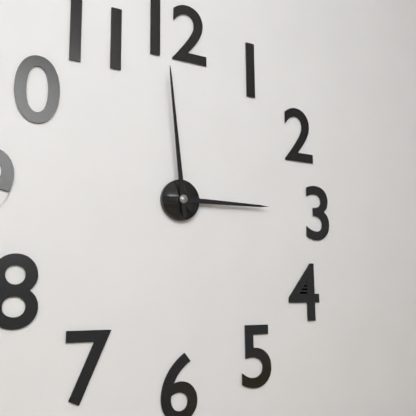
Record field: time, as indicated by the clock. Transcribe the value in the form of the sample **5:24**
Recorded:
**2:59**
